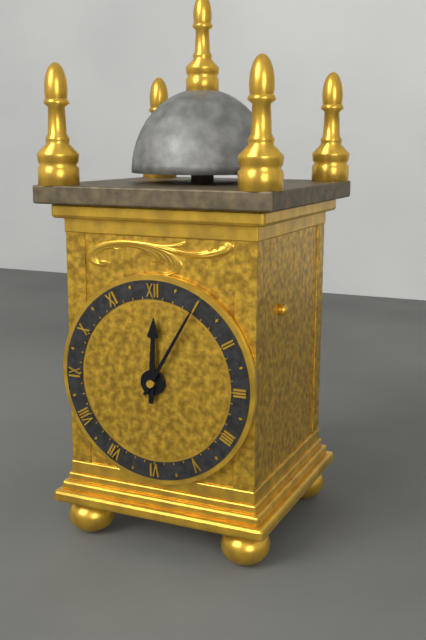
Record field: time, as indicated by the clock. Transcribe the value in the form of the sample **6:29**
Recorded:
**12:05**
